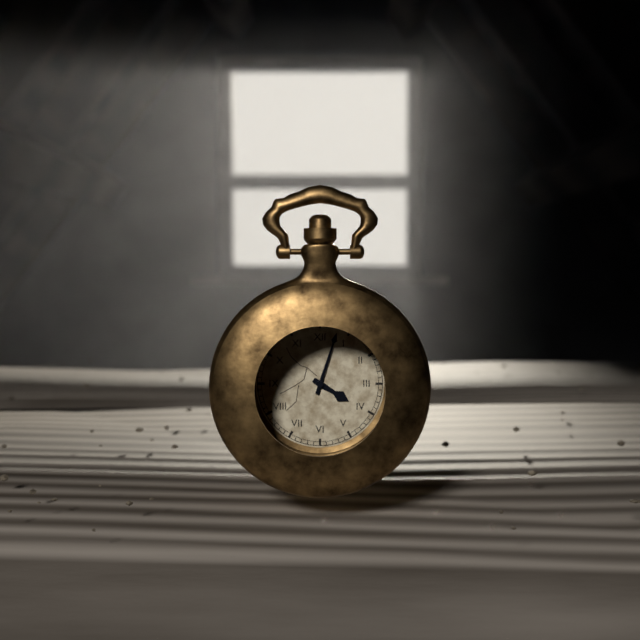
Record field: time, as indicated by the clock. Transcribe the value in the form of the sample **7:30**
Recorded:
**4:03**
